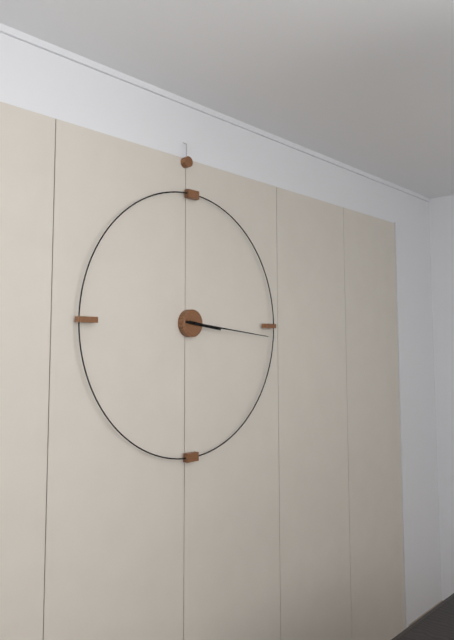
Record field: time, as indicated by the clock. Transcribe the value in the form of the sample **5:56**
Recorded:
**3:16**
